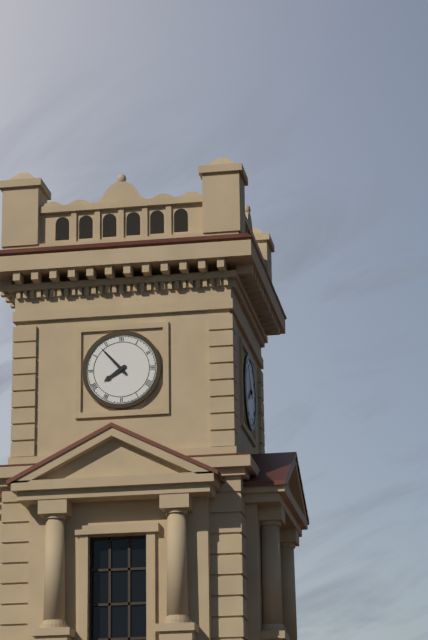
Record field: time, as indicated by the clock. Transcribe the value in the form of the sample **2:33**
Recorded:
**7:53**
